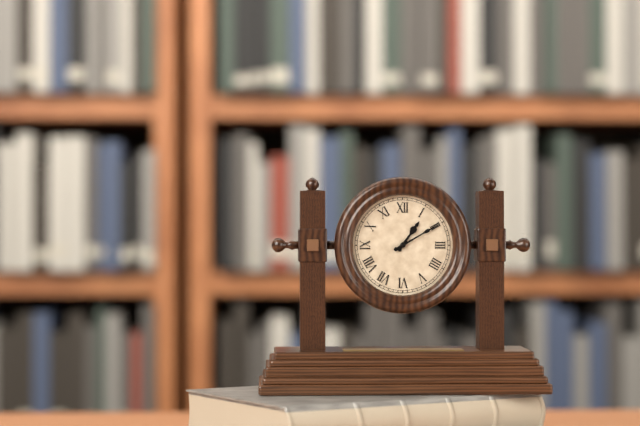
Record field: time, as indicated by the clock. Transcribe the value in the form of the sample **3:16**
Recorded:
**1:10**
